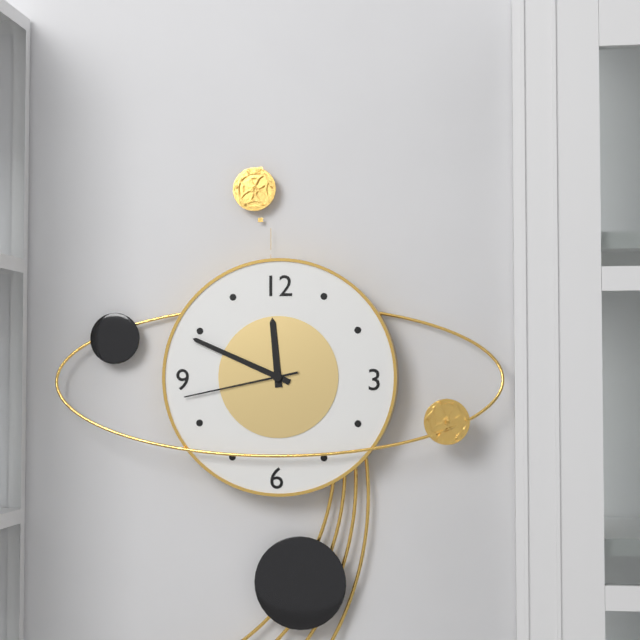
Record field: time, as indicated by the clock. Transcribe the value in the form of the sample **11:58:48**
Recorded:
**11:49:43**
